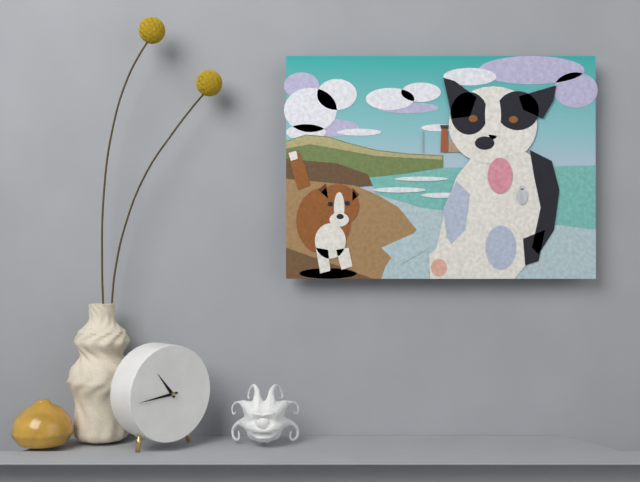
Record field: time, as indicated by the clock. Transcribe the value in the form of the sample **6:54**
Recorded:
**10:44**
